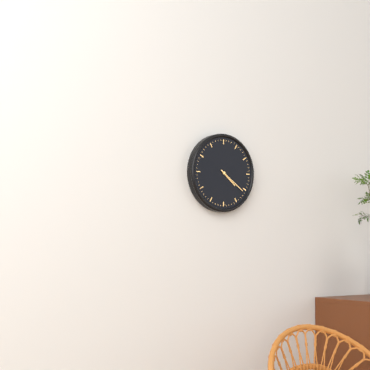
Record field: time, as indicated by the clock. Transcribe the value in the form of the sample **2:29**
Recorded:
**4:21**
